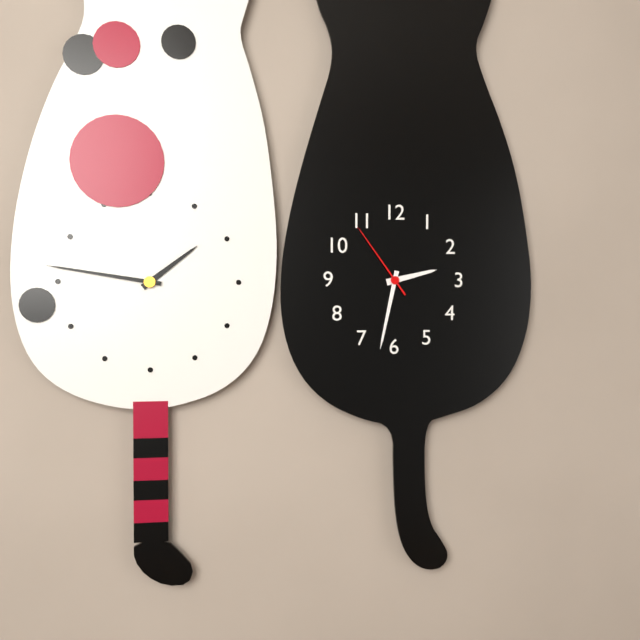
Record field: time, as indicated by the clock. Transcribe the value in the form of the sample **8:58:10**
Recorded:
**2:32:54**
